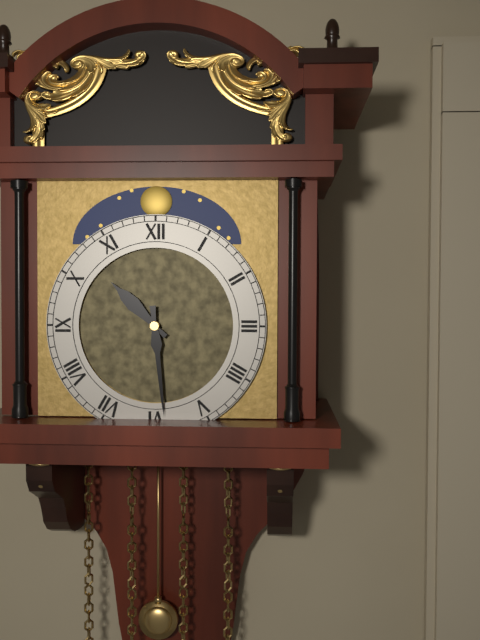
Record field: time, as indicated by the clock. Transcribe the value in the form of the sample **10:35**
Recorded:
**10:29**
